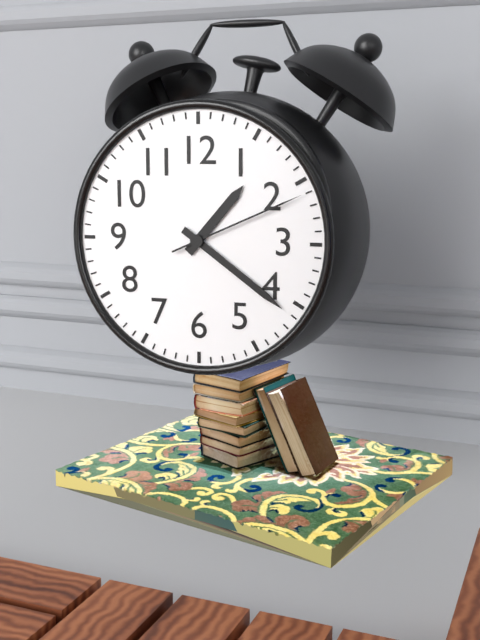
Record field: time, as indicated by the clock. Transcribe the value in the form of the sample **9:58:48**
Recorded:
**1:21:11**
